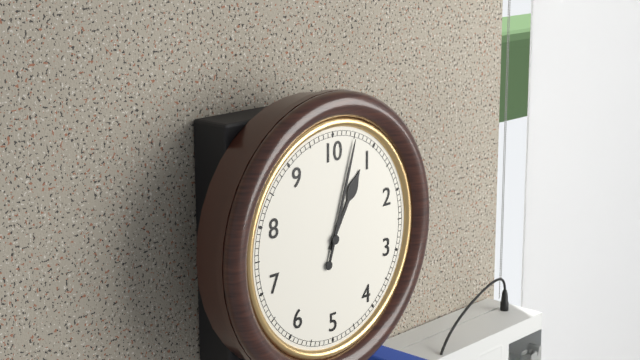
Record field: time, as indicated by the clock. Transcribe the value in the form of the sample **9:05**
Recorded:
**1:03**
